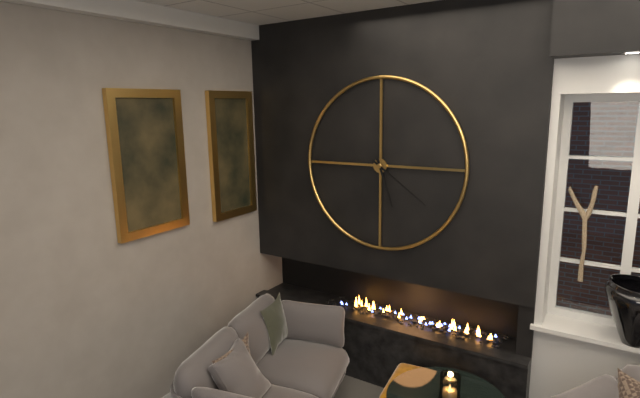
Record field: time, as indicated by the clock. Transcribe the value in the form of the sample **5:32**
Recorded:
**5:21**
